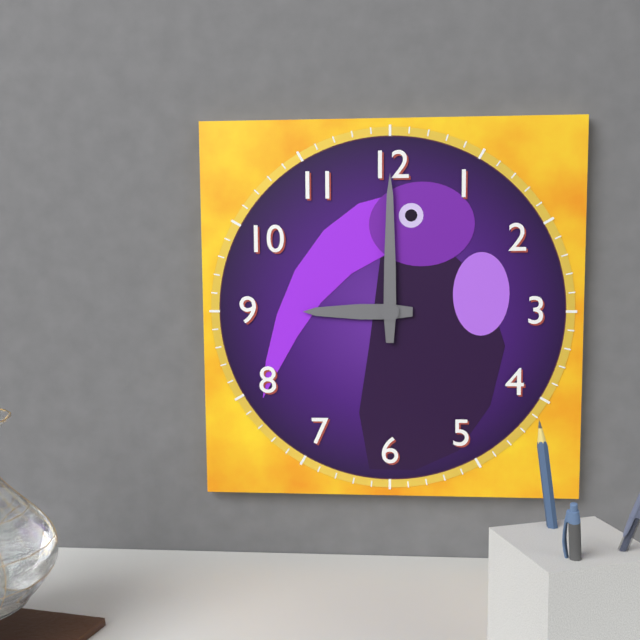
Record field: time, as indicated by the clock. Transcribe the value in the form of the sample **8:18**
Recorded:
**9:00**
